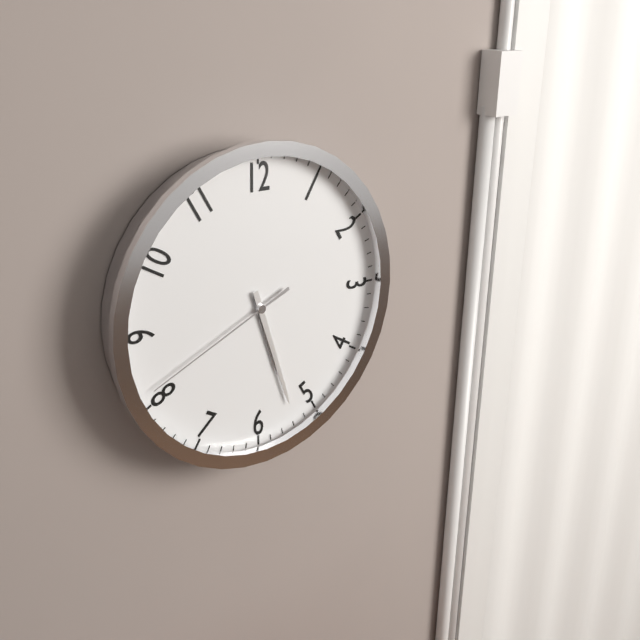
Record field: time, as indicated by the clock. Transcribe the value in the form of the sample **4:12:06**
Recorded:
**5:27:41**
